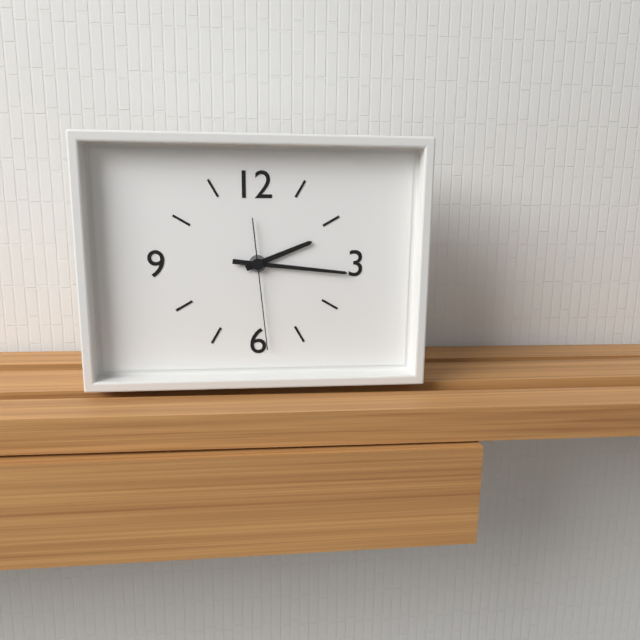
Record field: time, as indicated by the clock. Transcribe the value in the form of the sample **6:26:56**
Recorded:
**2:16:29**
